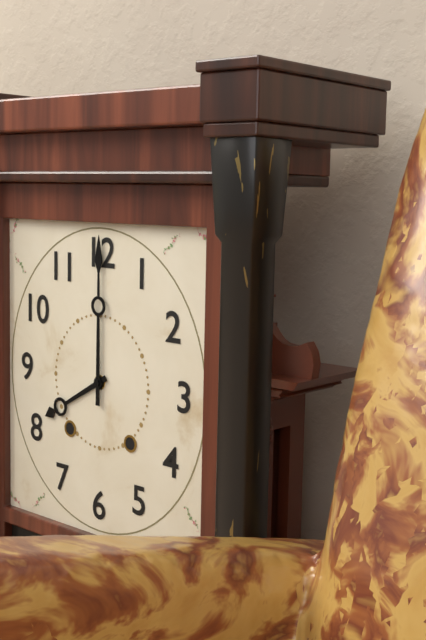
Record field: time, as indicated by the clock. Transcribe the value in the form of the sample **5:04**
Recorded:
**8:00**
